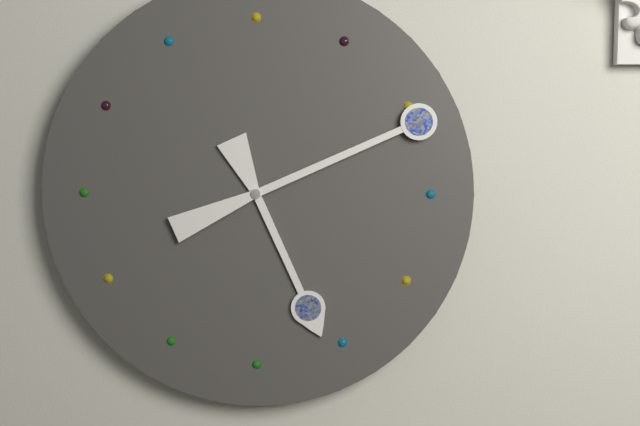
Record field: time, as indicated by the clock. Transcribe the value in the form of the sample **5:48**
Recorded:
**5:11**
